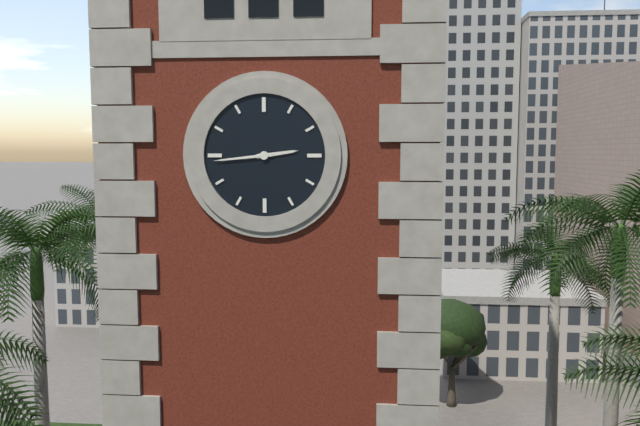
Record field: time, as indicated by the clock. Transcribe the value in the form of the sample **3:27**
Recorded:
**2:44**
